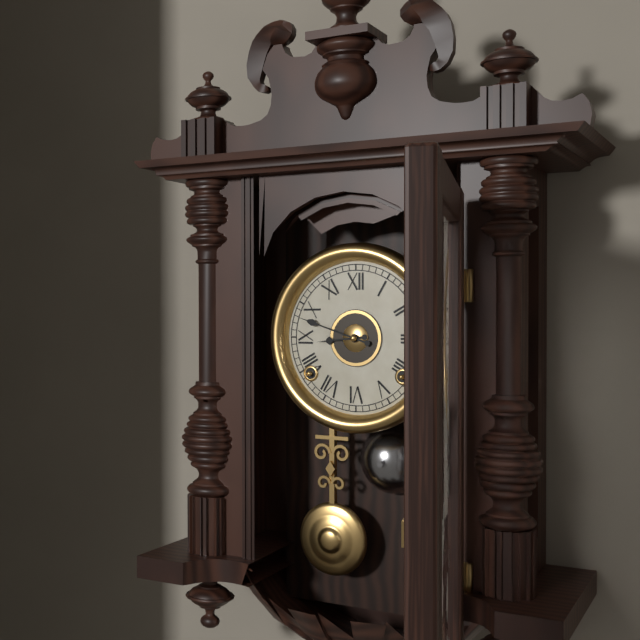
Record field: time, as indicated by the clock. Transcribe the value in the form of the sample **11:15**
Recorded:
**8:48**
